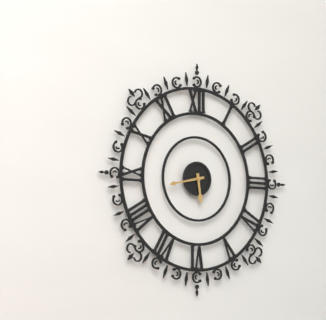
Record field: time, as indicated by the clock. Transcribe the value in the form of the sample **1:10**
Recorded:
**5:43**
